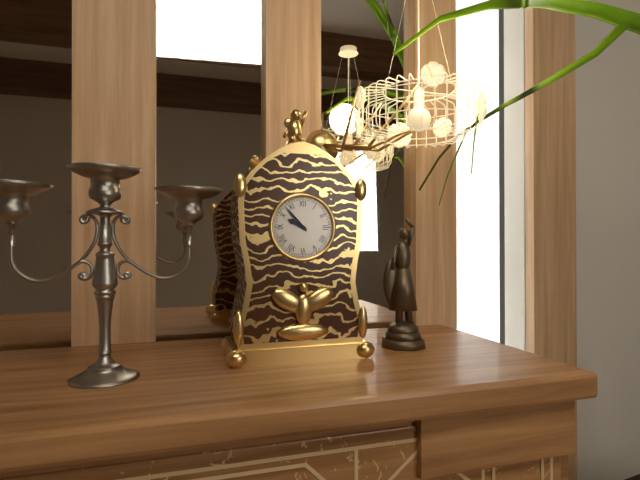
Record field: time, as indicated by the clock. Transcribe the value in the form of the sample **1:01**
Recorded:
**9:53**
